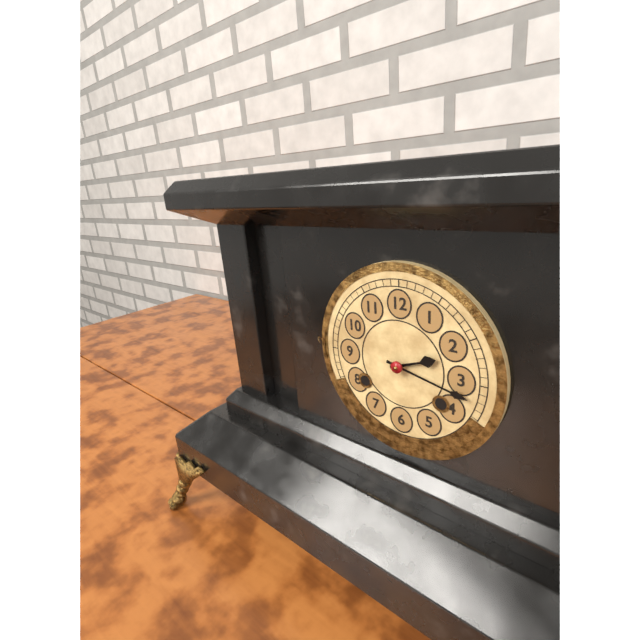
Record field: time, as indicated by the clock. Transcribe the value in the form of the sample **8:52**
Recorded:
**2:17**
